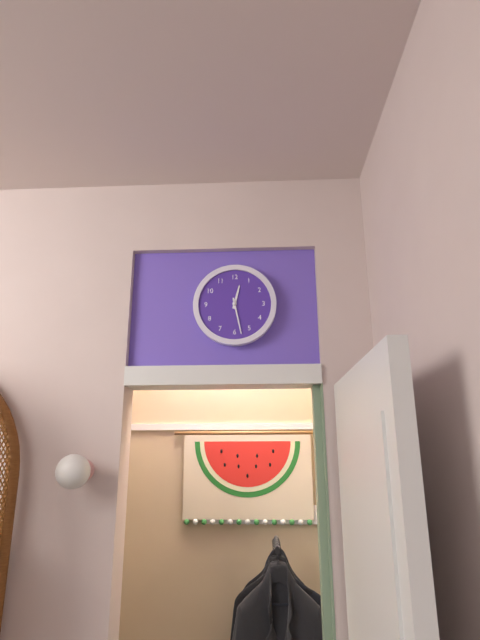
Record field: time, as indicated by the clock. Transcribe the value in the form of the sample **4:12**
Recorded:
**12:28**
